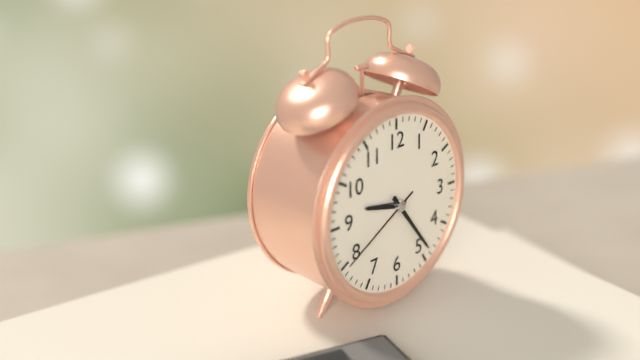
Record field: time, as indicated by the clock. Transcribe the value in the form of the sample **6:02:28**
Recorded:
**9:24:40**
